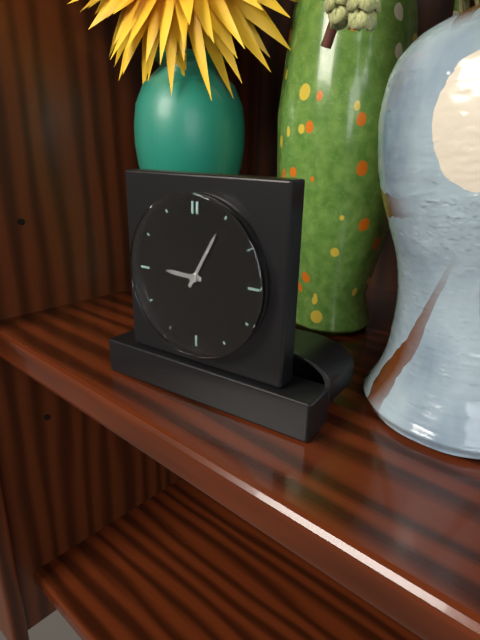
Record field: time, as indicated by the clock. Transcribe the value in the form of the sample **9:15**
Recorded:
**9:05**
